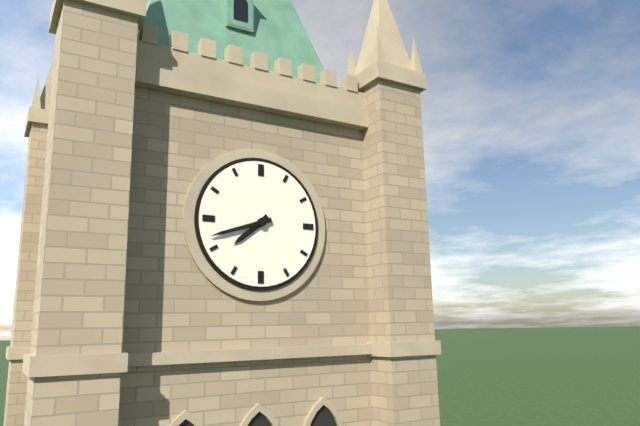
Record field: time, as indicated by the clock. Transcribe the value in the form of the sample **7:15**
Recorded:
**7:42**
